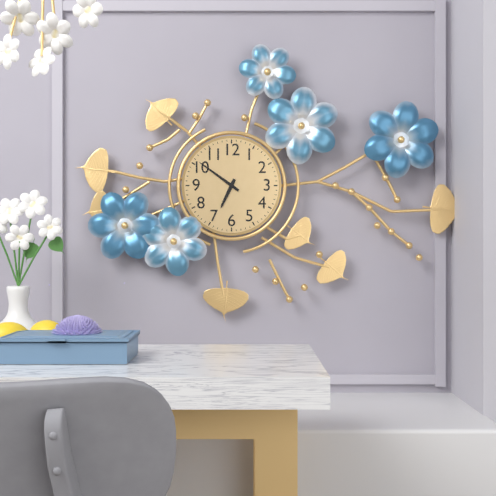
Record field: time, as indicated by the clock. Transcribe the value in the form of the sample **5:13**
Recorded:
**6:51**
